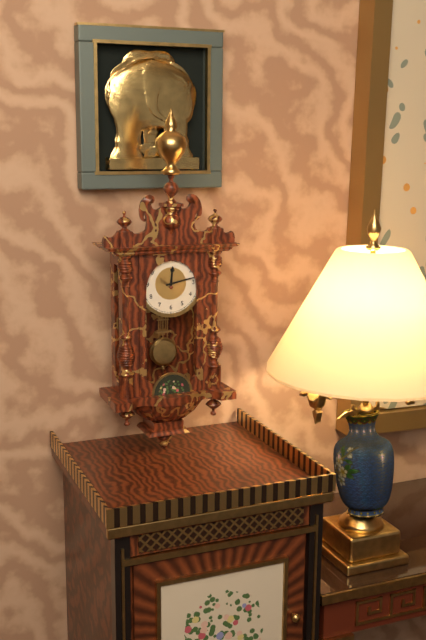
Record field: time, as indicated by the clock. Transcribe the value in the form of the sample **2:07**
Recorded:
**12:13**
